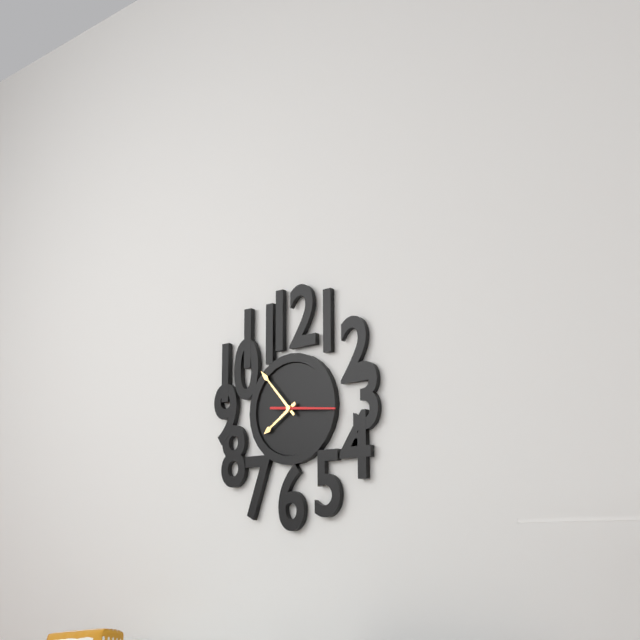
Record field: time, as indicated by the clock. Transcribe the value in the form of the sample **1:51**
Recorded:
**7:53**
